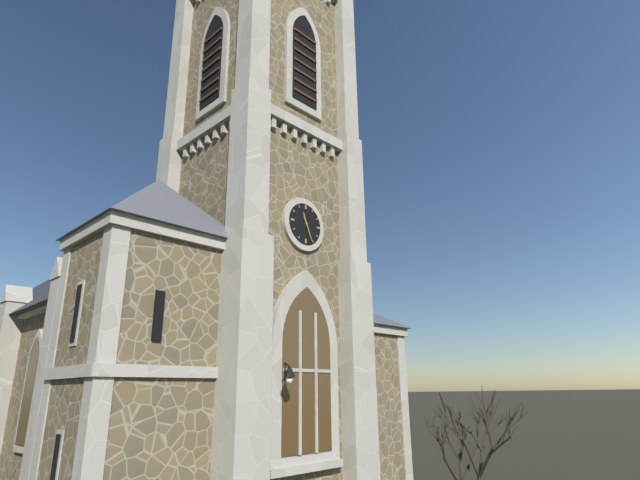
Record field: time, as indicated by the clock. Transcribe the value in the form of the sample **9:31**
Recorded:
**11:26**
